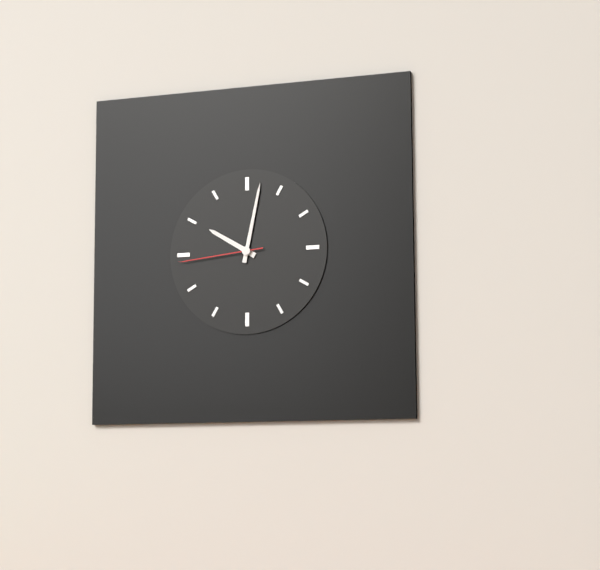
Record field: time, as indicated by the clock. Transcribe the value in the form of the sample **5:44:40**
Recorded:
**10:02:44**
